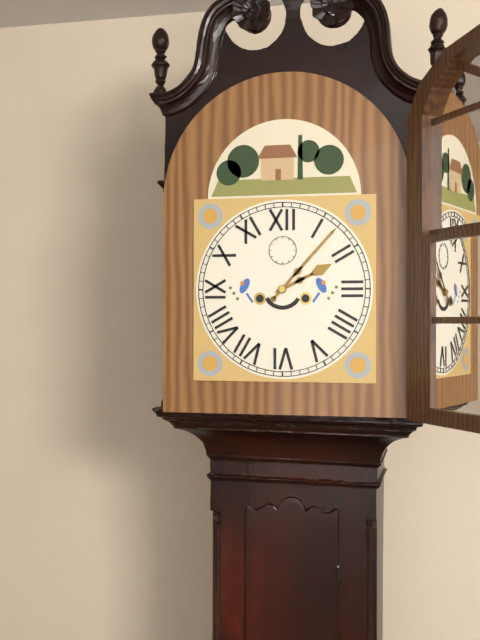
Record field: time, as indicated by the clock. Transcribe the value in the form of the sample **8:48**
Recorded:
**2:07**
